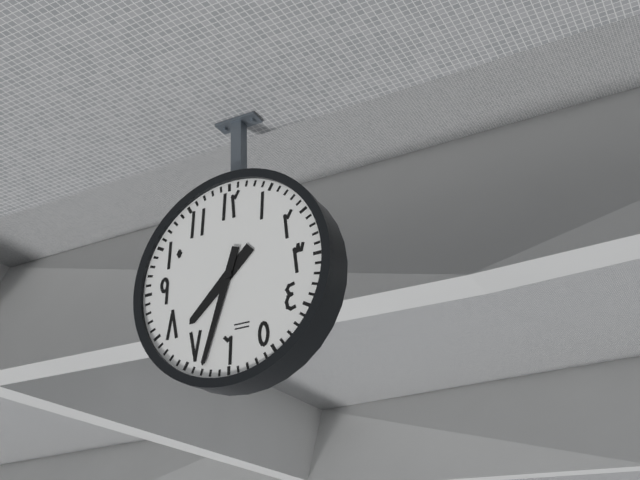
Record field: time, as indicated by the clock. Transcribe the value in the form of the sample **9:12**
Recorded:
**7:33**
